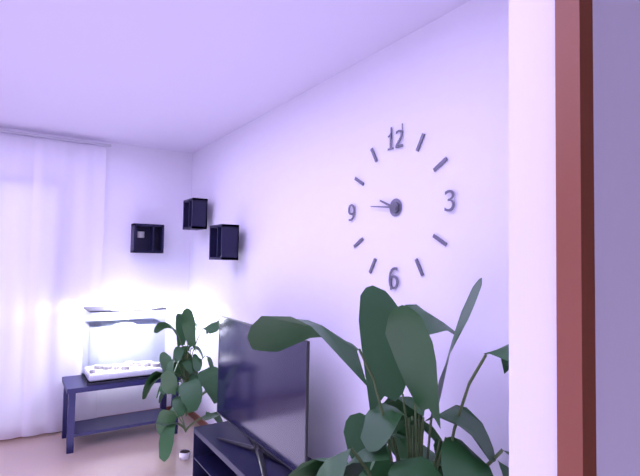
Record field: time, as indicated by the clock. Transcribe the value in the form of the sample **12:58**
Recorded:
**9:46**
